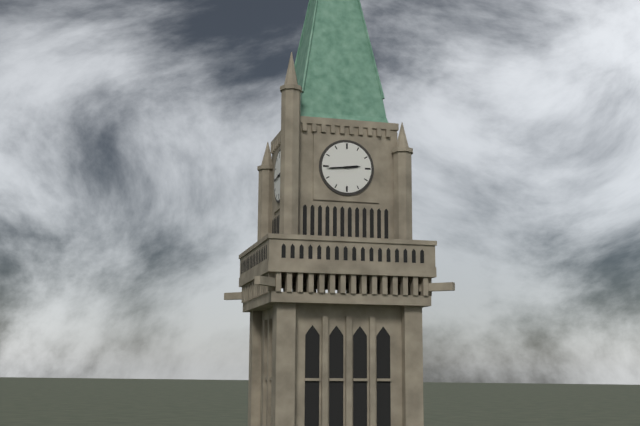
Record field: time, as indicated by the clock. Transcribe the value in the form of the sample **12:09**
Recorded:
**2:44**
